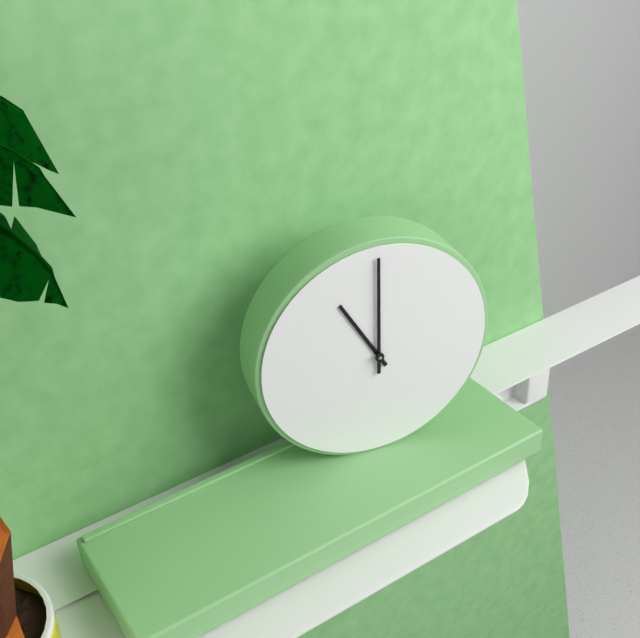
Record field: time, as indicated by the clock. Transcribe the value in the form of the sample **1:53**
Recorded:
**11:00**
